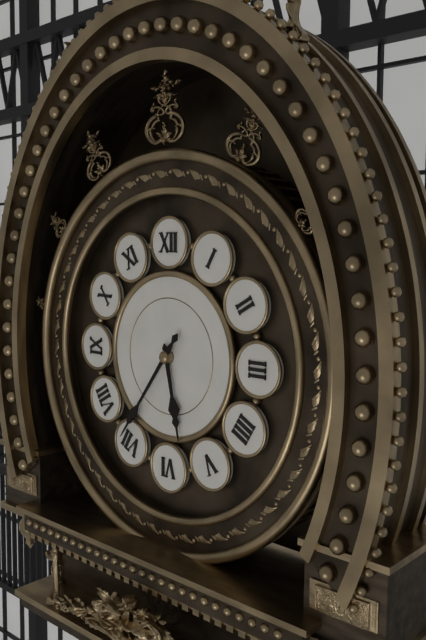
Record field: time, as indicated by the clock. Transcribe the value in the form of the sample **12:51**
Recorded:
**5:36**
